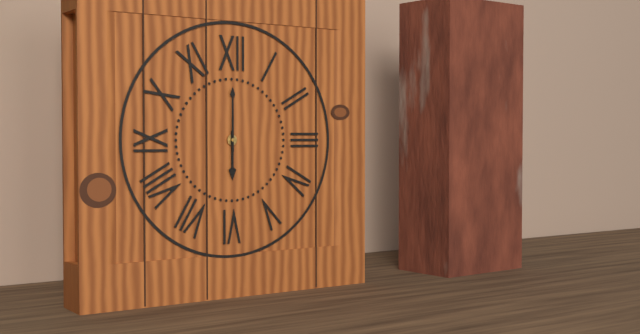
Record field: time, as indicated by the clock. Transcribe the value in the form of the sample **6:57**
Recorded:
**6:00**
